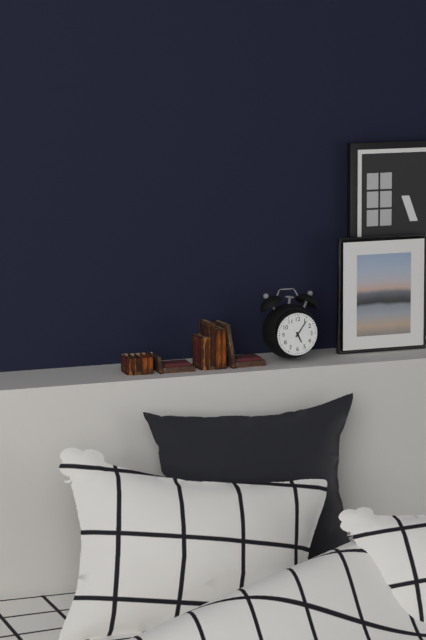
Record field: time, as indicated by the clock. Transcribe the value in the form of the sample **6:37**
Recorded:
**5:06**
